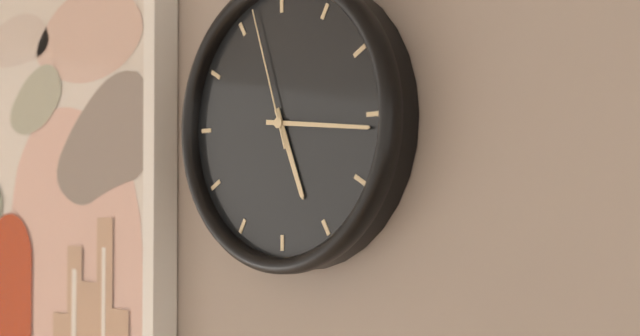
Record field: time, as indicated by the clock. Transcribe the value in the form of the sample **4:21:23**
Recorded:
**5:16:57**
